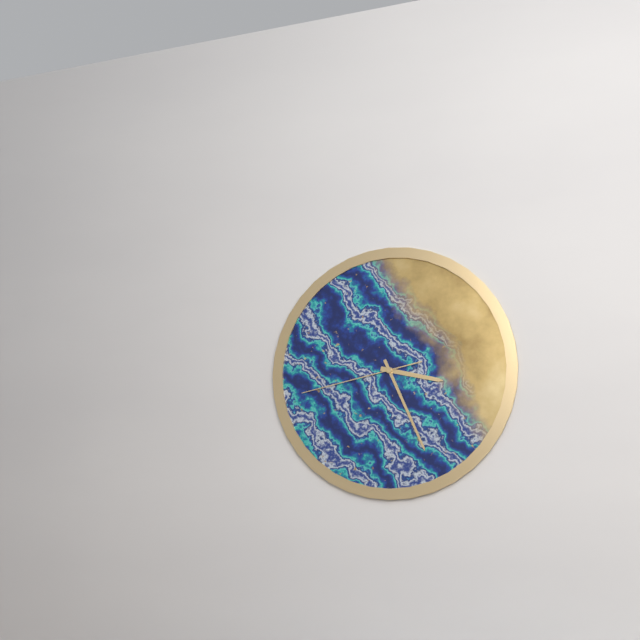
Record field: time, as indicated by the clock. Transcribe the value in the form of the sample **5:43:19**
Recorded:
**3:26:43**
